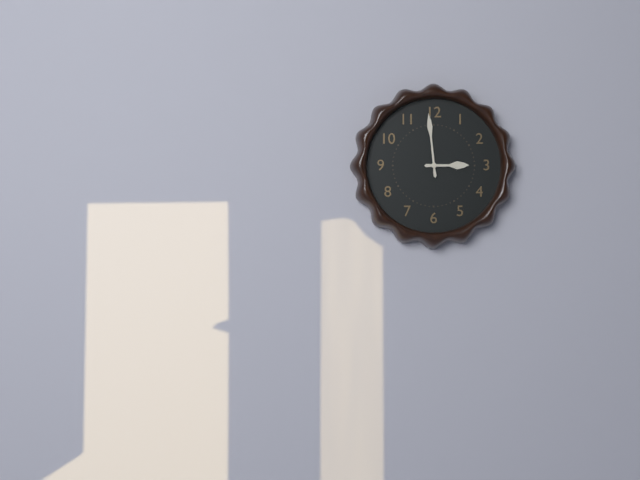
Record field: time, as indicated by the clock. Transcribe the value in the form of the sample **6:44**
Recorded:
**2:59**
